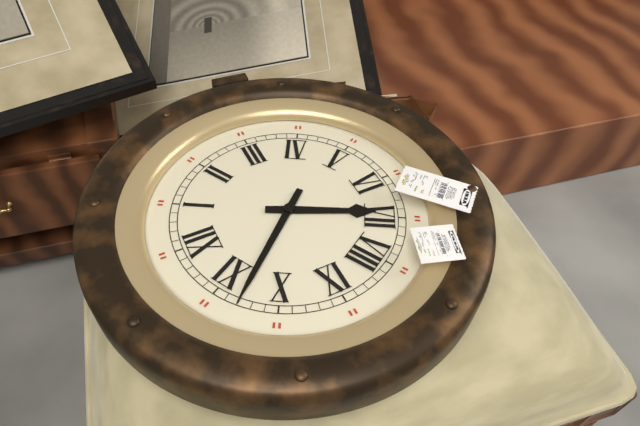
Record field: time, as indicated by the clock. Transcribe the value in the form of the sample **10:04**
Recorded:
**6:53**
